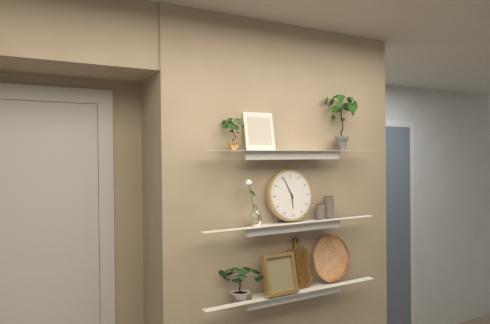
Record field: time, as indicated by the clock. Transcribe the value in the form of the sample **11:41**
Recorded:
**5:56**
